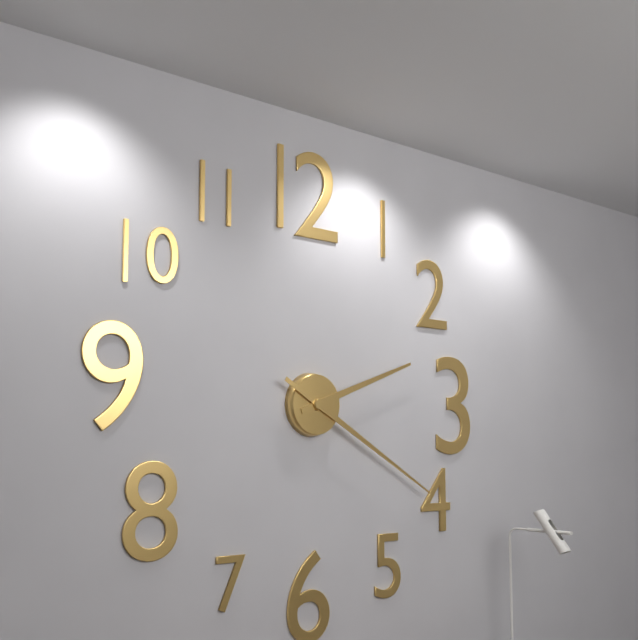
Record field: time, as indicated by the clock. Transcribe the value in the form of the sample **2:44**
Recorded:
**2:20**
